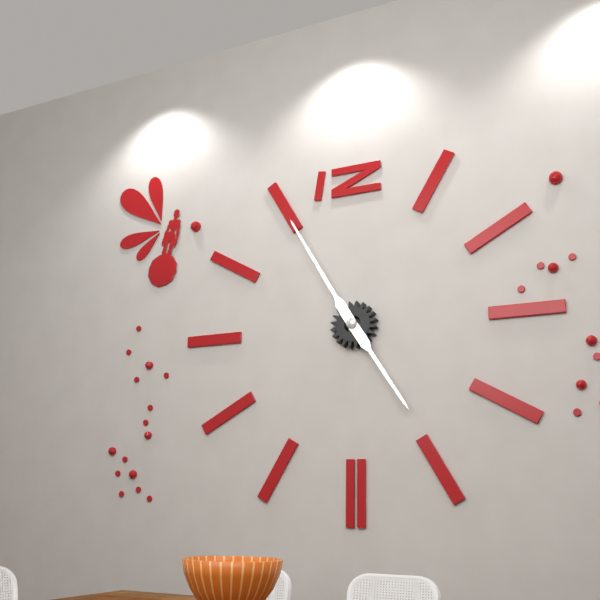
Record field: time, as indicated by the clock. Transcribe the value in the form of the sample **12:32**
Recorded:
**4:55**
